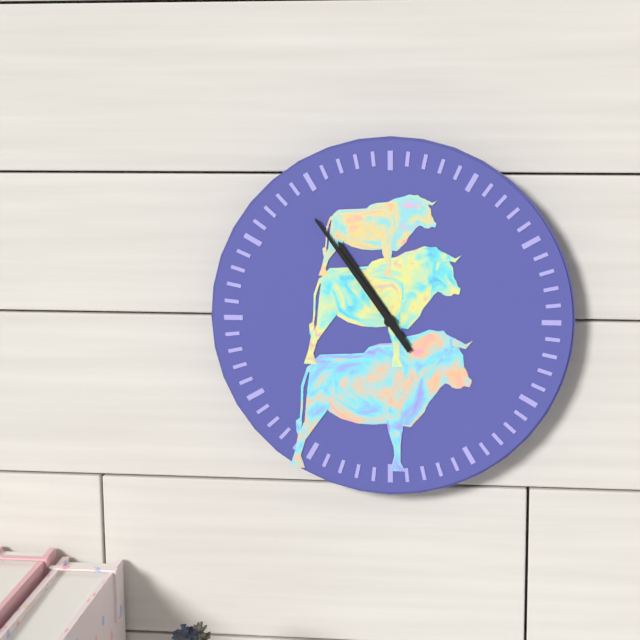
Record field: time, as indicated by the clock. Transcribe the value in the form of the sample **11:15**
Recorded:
**10:54**
